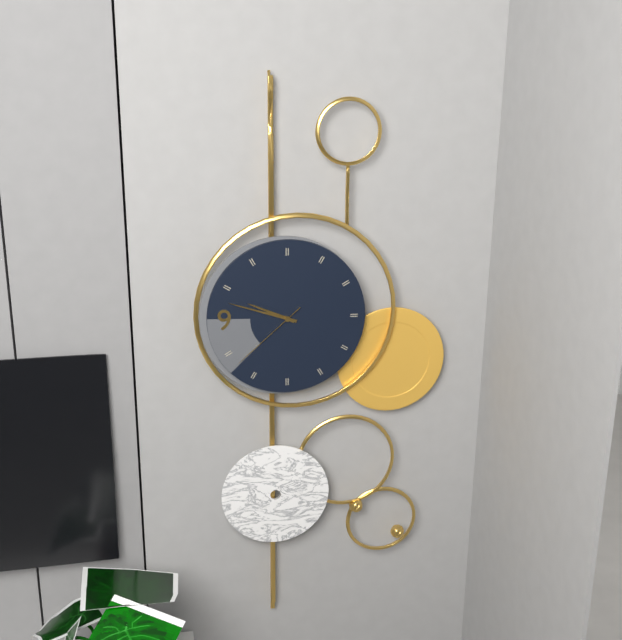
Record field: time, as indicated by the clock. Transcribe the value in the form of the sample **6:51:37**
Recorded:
**9:48:38**
